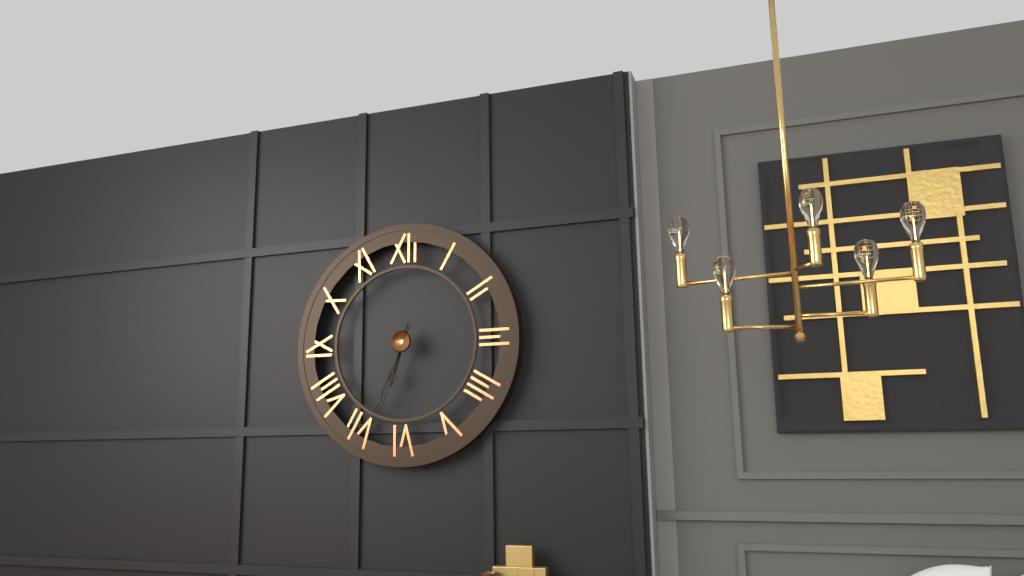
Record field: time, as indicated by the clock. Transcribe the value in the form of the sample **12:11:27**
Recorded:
**6:34:33**
